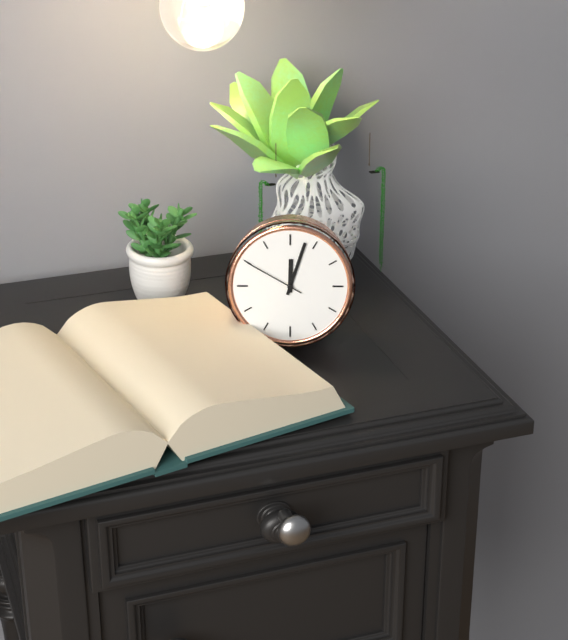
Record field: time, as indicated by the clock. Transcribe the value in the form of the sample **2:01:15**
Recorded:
**12:03:50**
